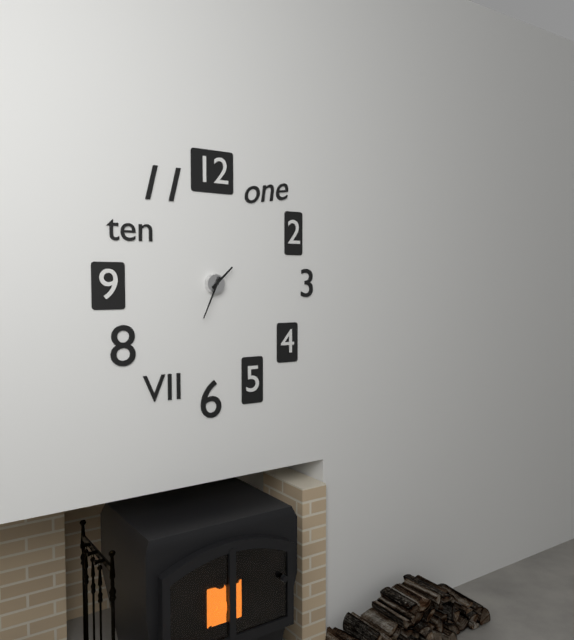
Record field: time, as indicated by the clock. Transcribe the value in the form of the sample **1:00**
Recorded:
**1:34**
